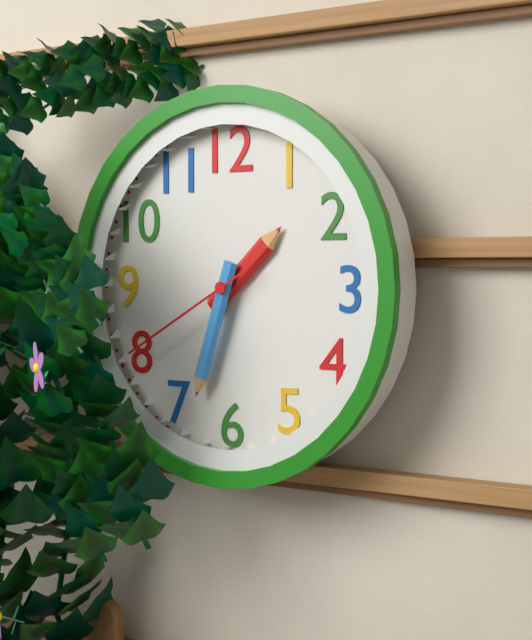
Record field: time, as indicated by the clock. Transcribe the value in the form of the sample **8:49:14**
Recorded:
**1:33:40**
